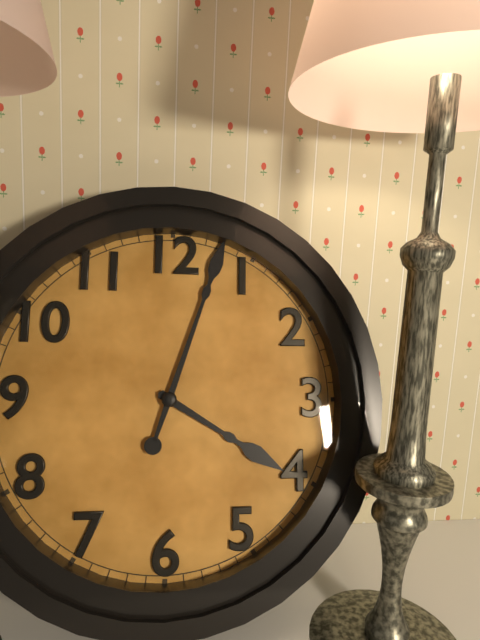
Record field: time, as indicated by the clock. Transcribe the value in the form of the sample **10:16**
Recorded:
**4:03**
